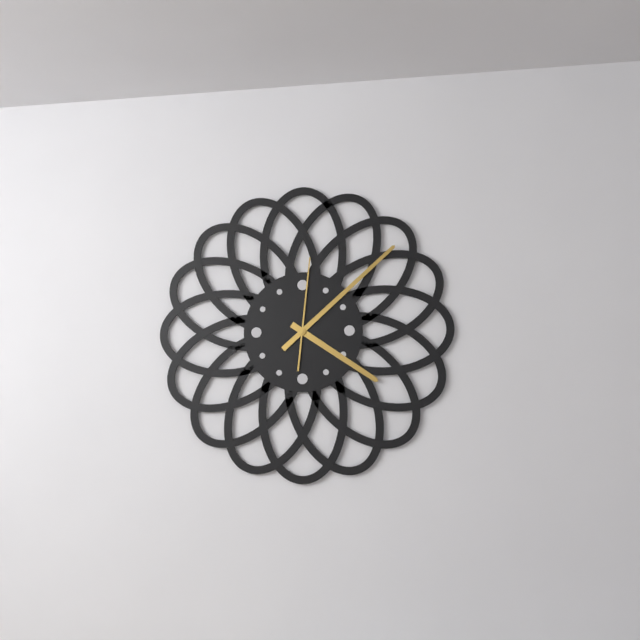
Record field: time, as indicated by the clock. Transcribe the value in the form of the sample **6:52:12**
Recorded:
**4:08:01**
